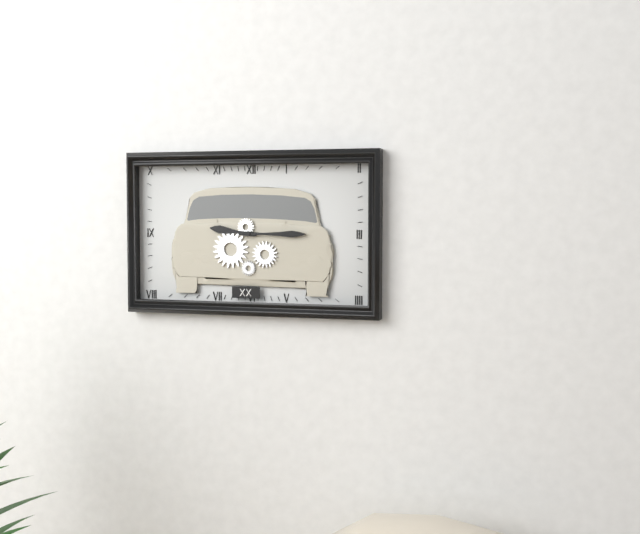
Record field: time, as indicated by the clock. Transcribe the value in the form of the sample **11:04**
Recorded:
**9:15**
